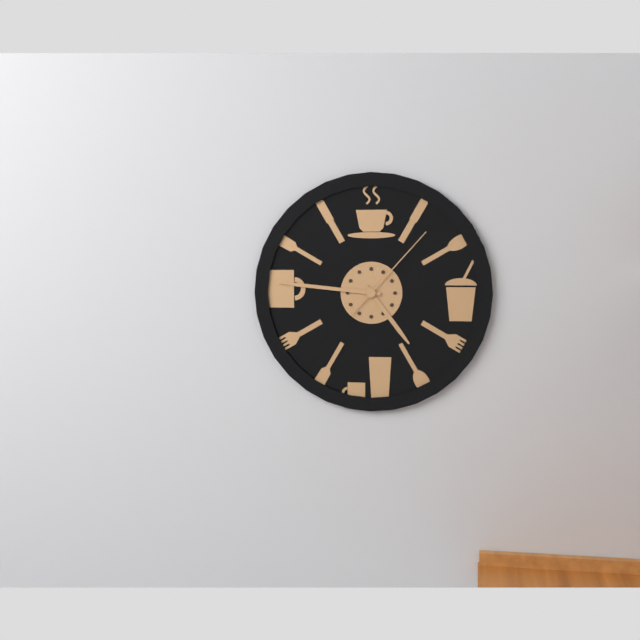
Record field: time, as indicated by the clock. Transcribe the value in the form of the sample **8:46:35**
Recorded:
**4:46:07**
